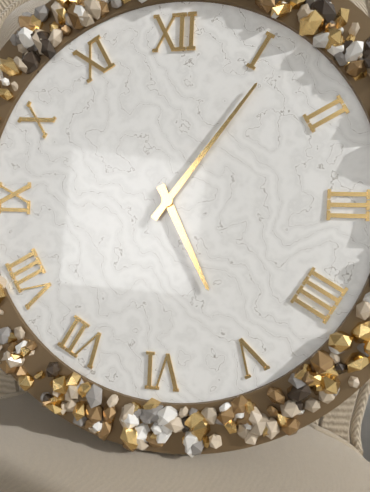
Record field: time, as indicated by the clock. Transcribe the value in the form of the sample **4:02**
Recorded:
**5:06**
